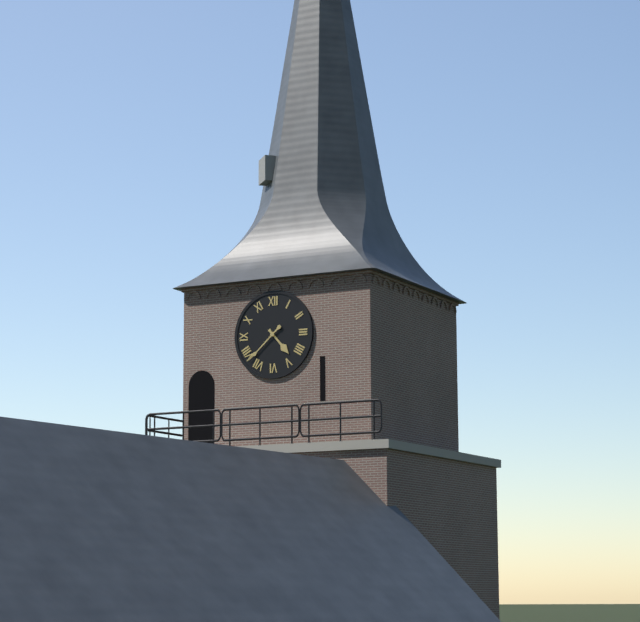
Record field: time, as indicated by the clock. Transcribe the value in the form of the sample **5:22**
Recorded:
**4:38**
